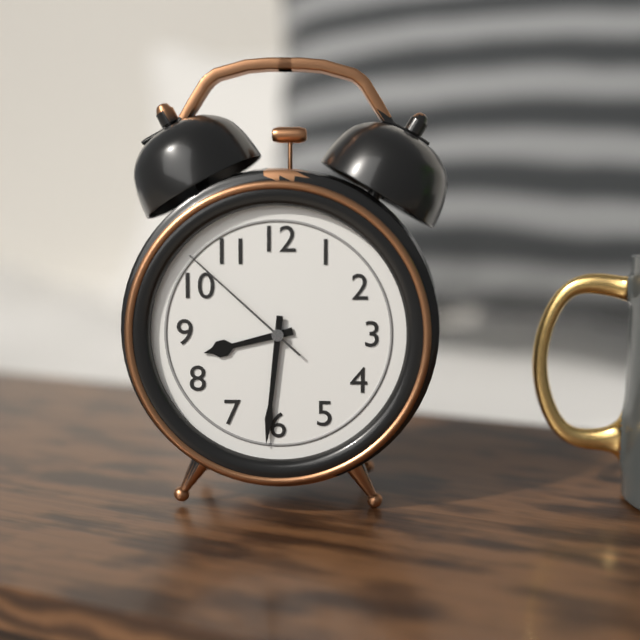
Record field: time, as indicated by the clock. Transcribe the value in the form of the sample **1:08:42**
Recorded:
**8:31:52**
